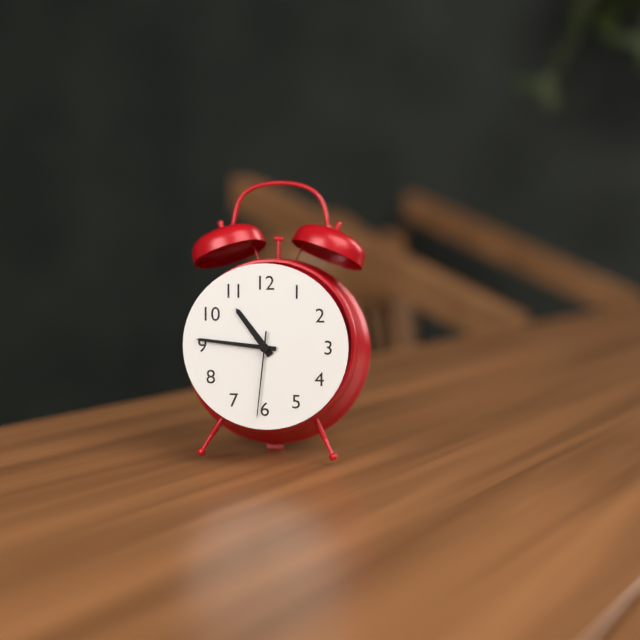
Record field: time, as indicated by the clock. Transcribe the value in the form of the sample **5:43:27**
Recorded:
**10:46:31**
